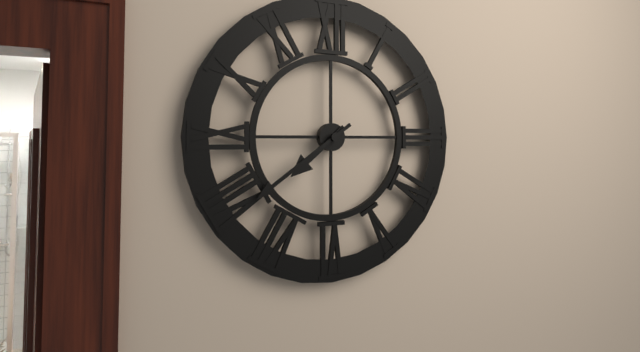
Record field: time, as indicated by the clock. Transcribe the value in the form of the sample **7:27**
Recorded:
**7:39**
